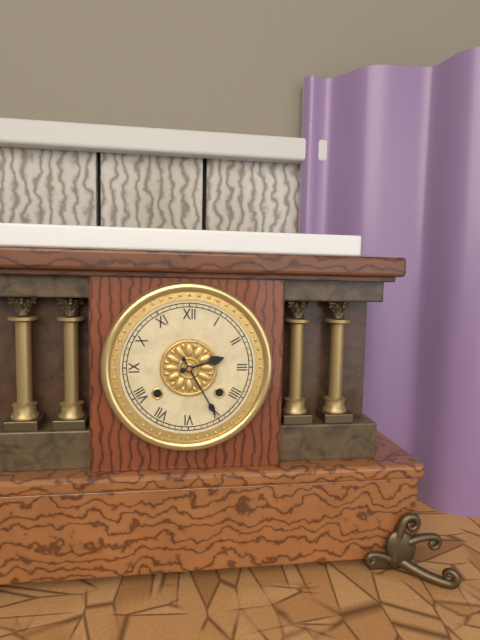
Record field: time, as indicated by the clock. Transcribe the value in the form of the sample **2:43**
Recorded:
**2:25**
